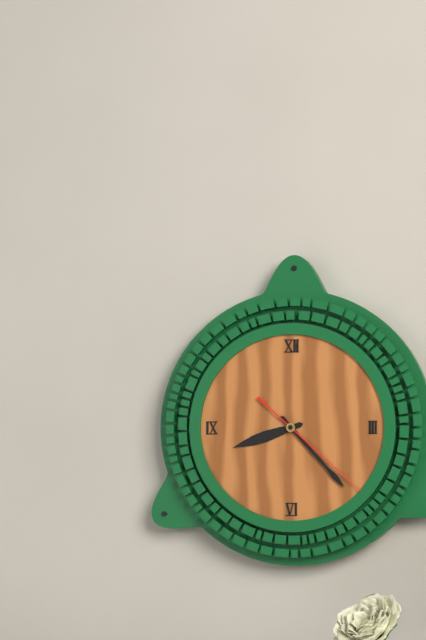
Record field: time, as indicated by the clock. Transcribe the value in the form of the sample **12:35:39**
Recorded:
**8:23:22**
